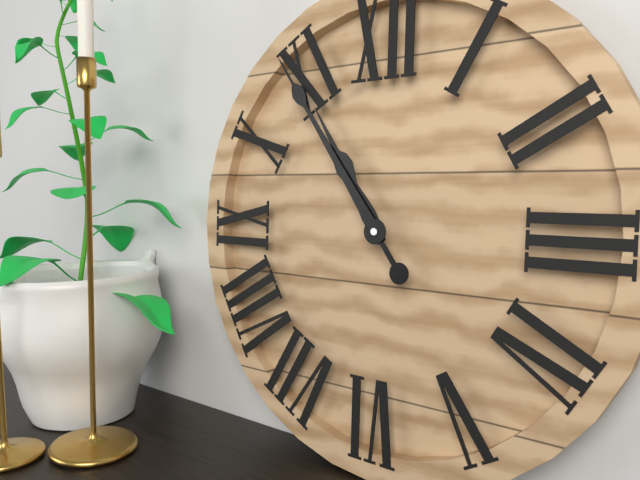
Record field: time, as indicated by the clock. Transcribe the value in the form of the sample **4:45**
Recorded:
**10:54**
